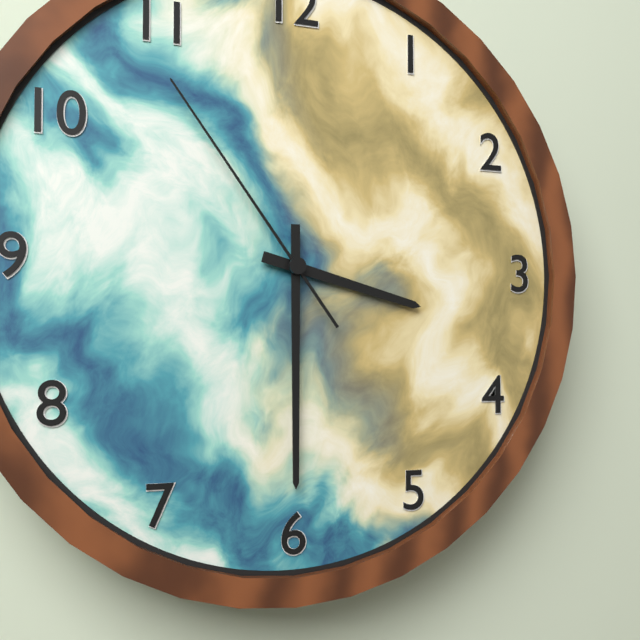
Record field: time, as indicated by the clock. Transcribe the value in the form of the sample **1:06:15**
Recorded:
**3:30:54**
